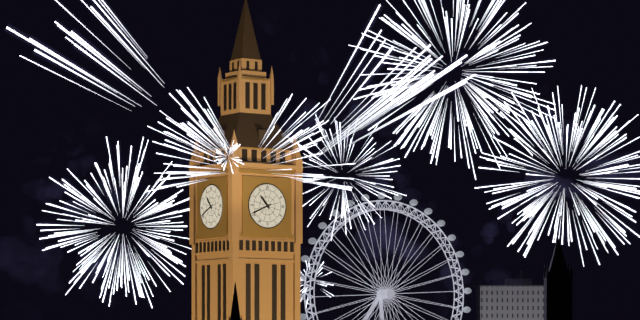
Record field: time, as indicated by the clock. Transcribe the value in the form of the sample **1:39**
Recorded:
**10:41**
